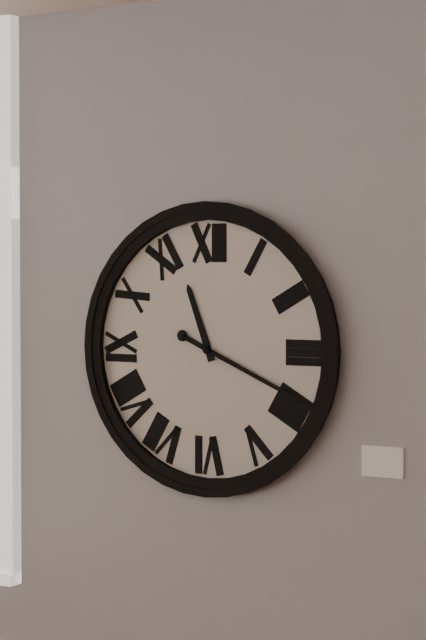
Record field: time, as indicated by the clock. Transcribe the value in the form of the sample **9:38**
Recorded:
**11:19**
